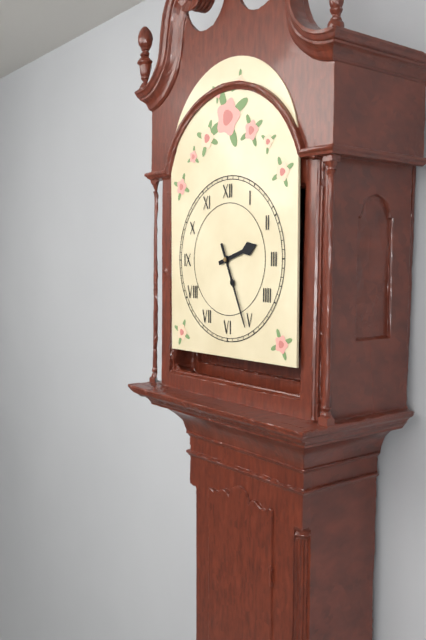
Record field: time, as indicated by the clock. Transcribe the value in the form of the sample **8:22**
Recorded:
**2:26**
